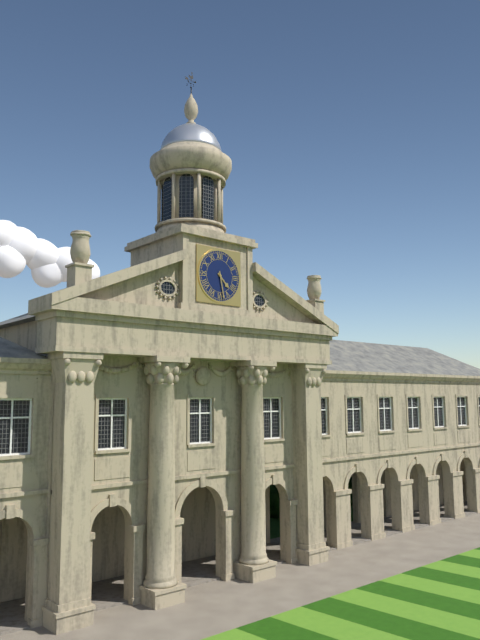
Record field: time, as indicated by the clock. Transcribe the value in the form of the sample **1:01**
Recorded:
**4:28**
